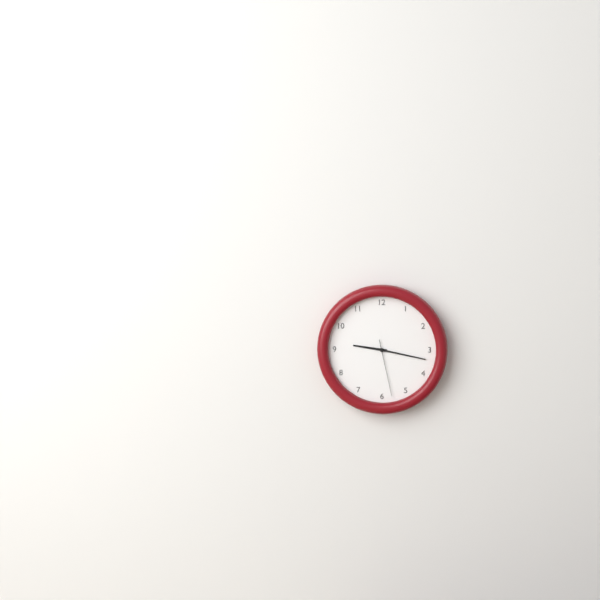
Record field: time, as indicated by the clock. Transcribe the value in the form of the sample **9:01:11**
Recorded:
**9:17:28**
